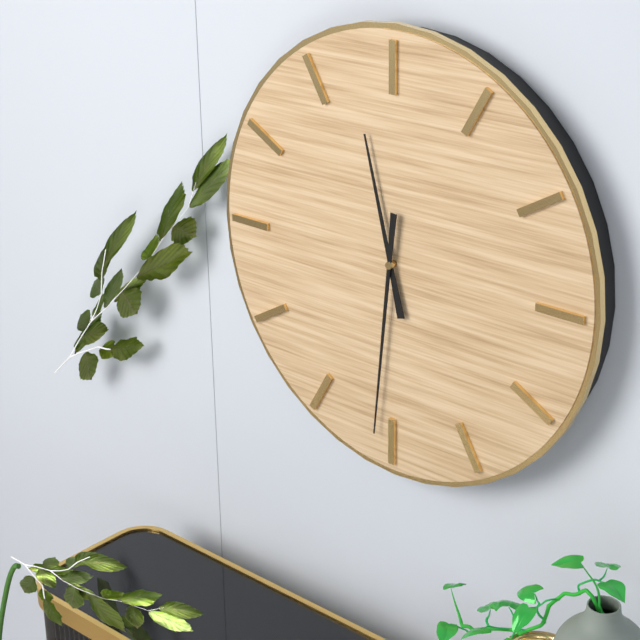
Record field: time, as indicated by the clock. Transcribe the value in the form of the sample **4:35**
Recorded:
**11:31**
